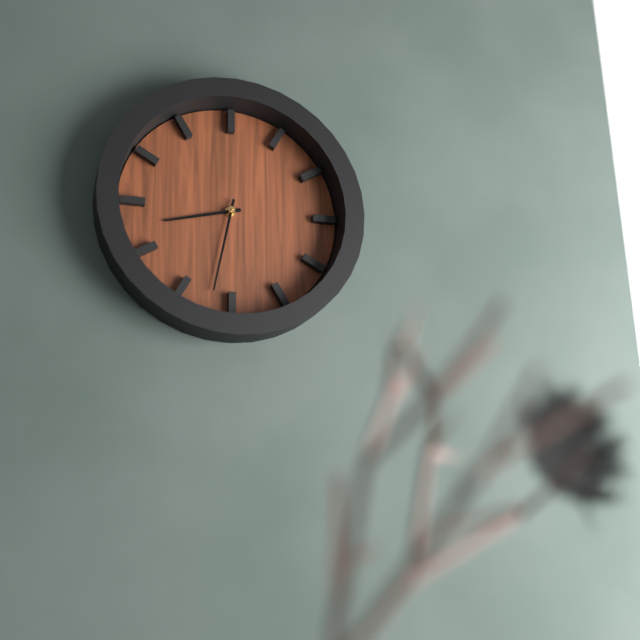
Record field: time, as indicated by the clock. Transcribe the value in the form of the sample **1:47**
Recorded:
**8:32**
